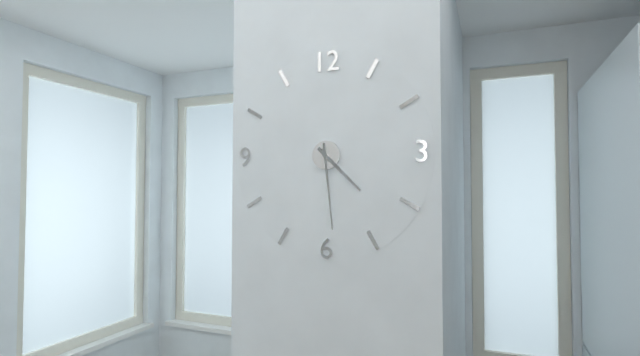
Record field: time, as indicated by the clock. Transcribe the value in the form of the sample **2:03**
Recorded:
**4:29**
